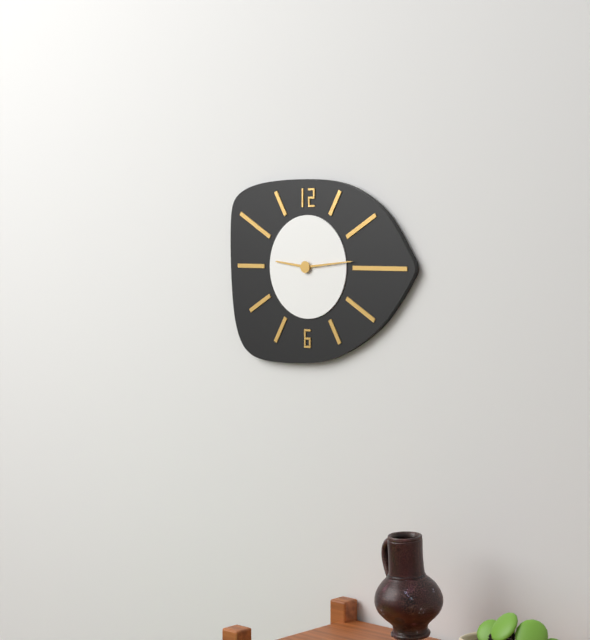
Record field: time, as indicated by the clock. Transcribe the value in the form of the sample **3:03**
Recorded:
**9:14**
